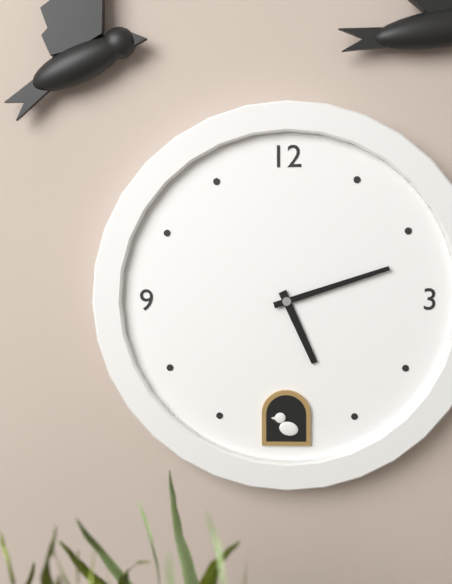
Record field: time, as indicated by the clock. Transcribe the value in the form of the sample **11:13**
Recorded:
**5:12**
